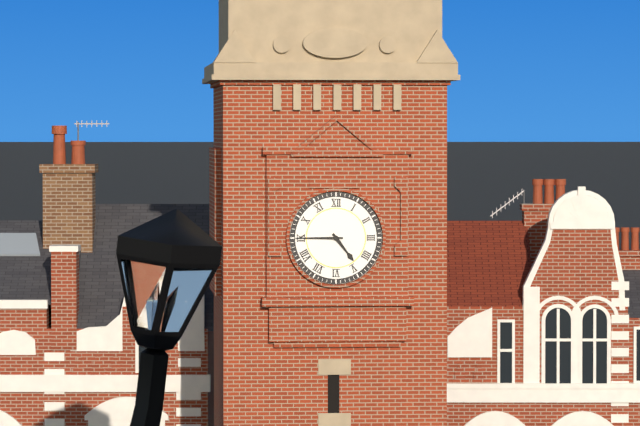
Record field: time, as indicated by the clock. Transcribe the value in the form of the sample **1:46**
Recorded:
**4:45**
